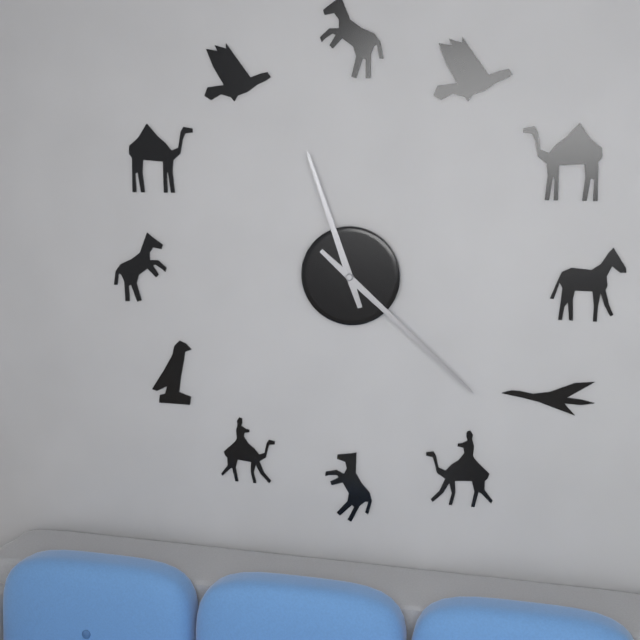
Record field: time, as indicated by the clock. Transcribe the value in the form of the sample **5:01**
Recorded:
**11:22**
